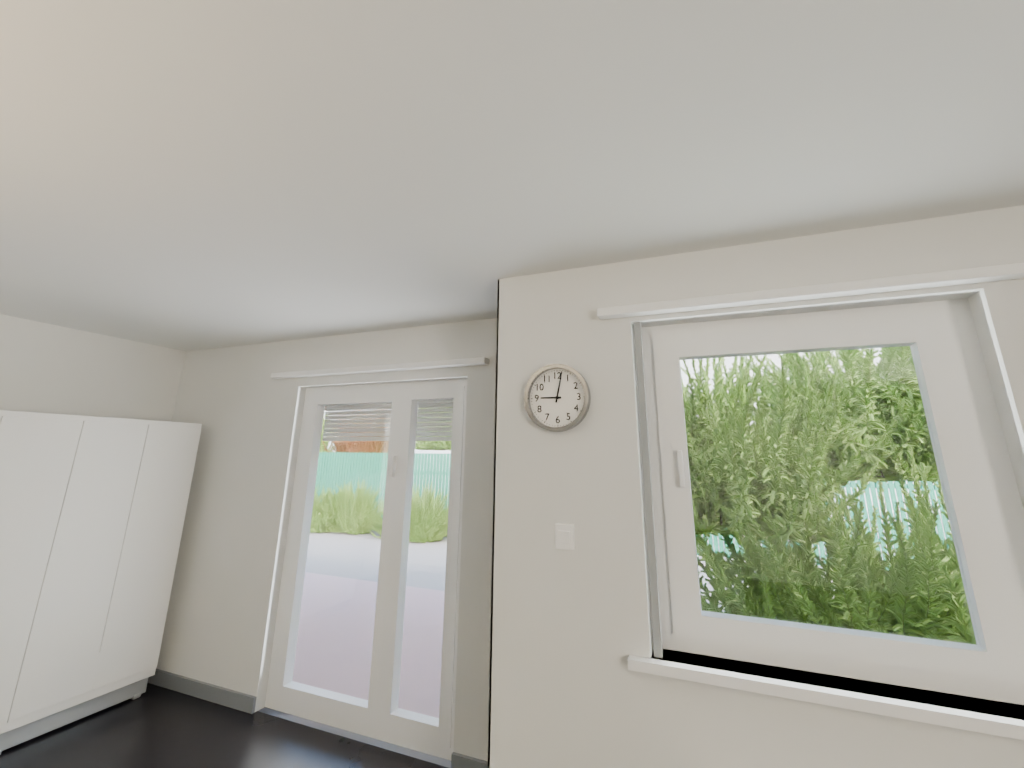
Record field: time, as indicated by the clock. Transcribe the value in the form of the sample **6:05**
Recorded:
**9:02**
